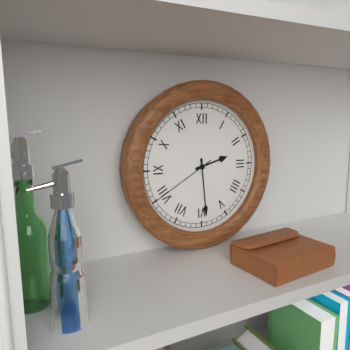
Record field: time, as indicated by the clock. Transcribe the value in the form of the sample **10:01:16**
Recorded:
**2:29:40**
